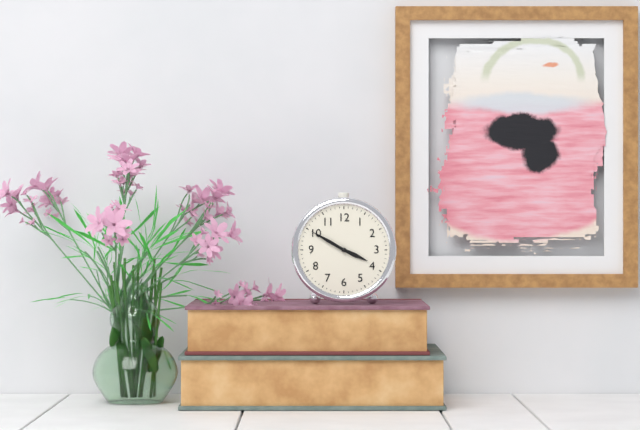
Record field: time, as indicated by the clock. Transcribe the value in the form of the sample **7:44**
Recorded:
**3:50**
